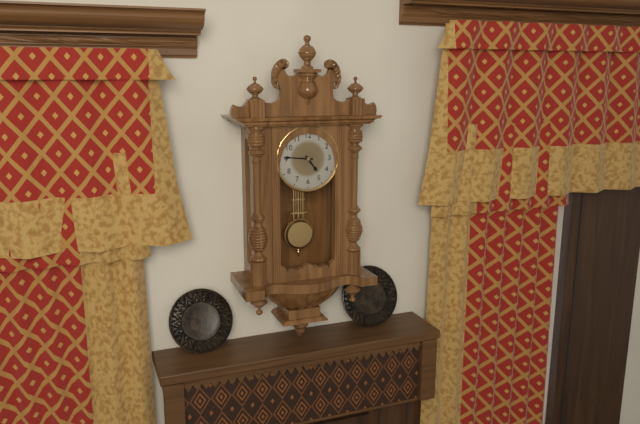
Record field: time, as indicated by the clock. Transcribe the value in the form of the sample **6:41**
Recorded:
**4:46**
